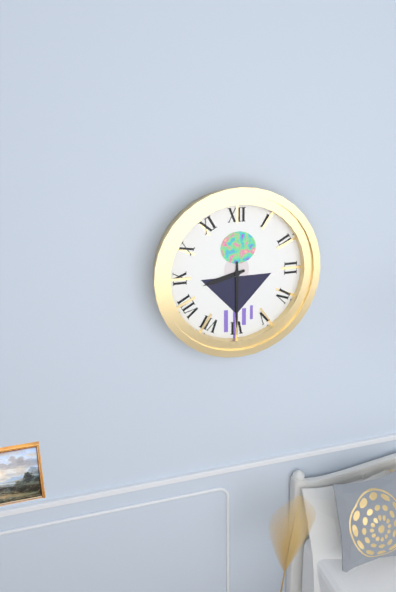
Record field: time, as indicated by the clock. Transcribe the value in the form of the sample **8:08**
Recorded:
**8:30**
